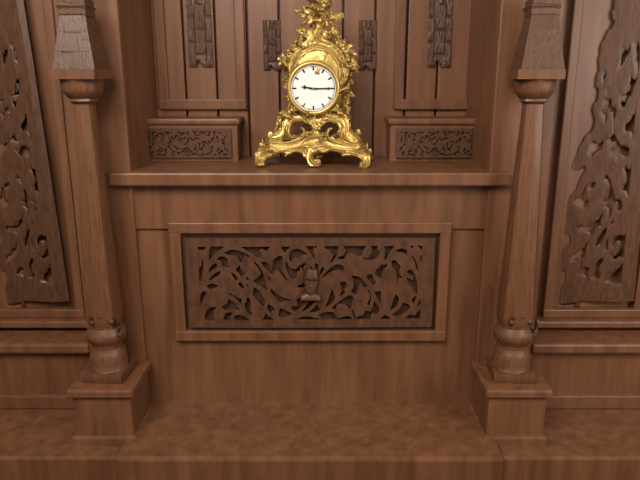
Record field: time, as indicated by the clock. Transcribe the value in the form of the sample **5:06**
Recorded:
**9:15**
